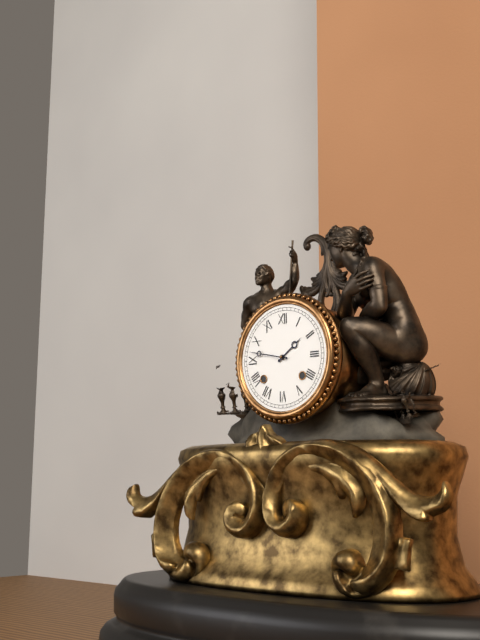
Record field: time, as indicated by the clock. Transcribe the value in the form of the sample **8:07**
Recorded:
**1:47**
